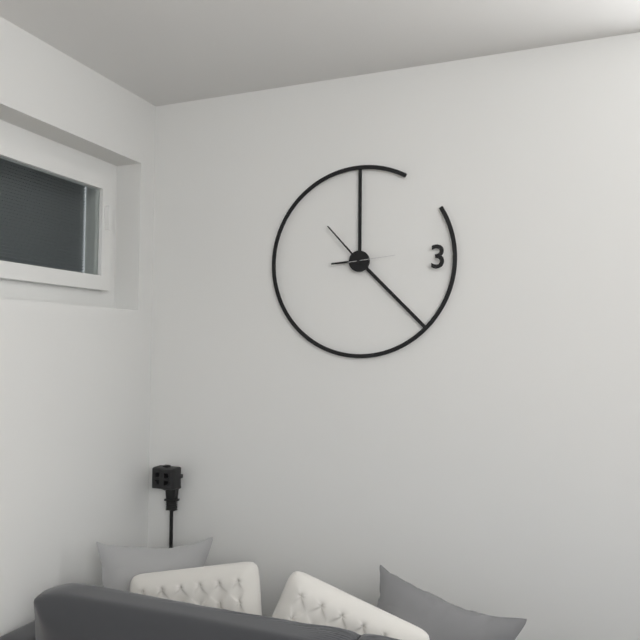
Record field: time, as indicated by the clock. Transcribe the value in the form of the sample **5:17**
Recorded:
**8:53**
